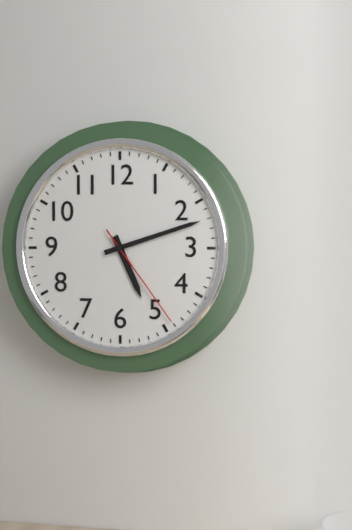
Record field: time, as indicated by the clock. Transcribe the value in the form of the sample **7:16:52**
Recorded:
**5:12:24**
